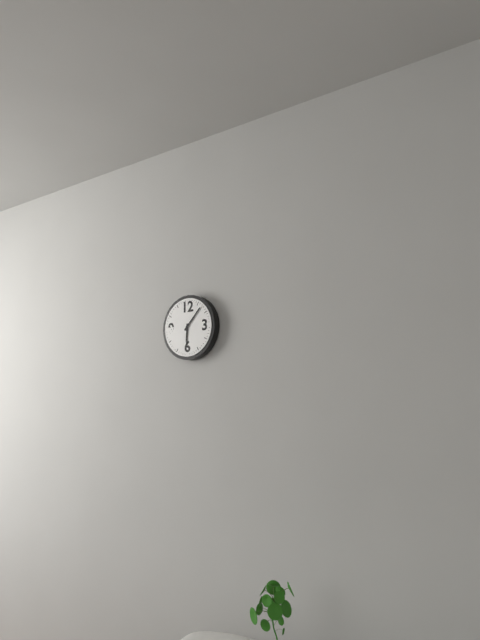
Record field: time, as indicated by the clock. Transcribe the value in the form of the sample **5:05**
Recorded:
**6:07**
